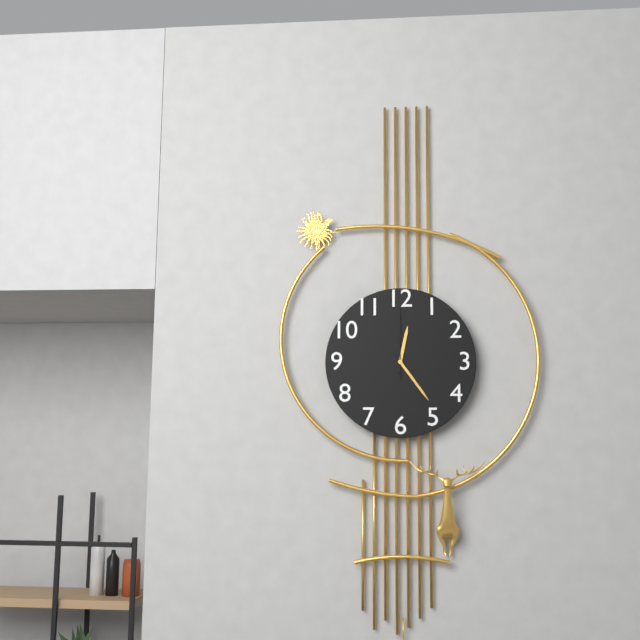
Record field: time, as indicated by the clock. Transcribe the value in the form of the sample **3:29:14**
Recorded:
**12:24:00**
